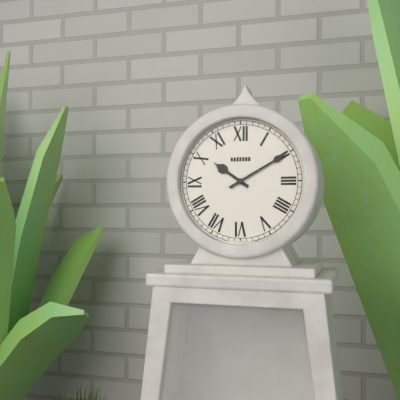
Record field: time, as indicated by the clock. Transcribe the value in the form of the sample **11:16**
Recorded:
**10:10**
